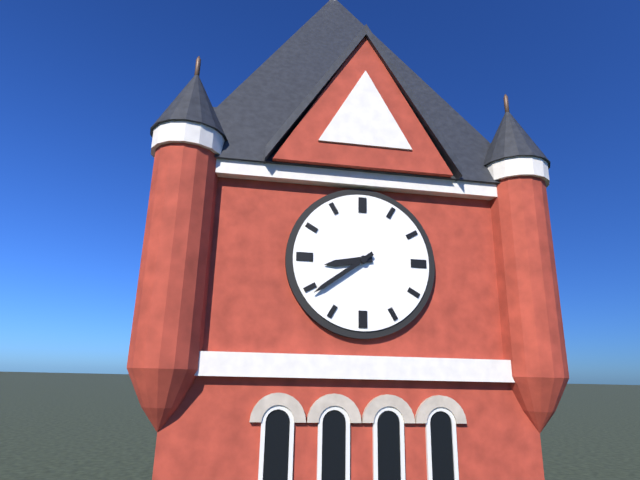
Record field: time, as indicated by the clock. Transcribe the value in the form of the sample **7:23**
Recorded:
**8:39**
